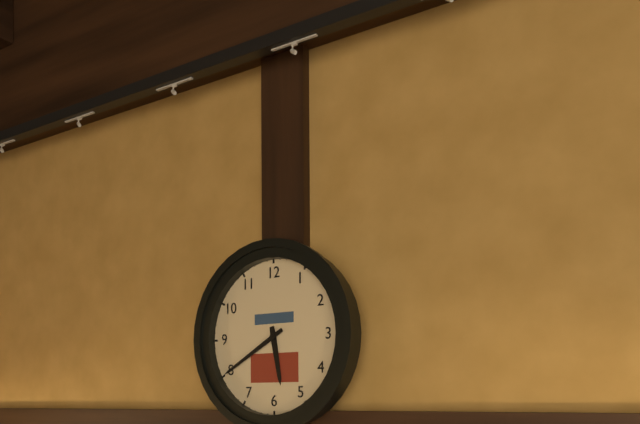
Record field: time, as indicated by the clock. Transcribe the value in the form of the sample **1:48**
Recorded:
**5:40**
